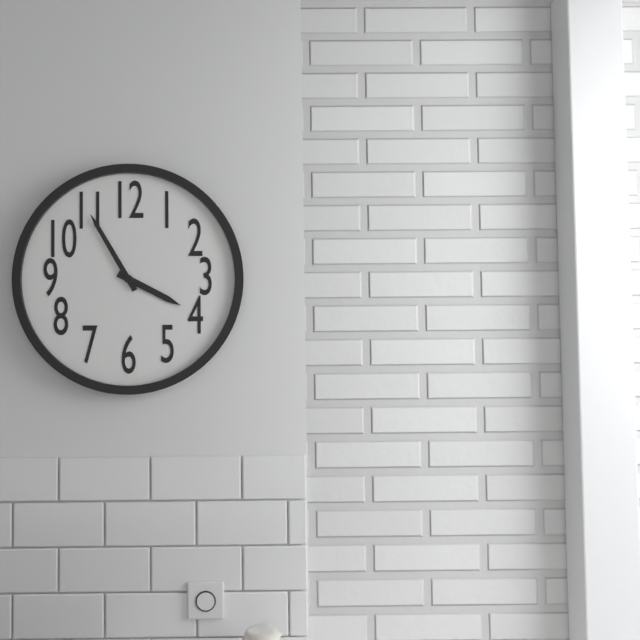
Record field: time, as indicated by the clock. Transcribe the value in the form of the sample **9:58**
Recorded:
**3:55**
